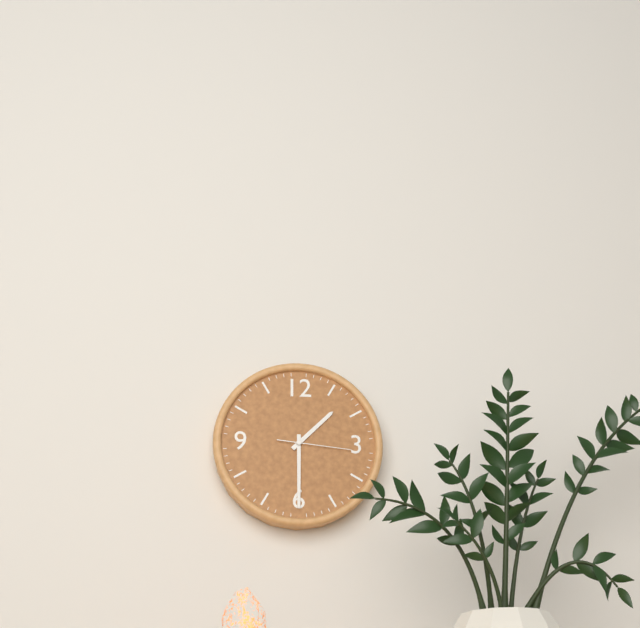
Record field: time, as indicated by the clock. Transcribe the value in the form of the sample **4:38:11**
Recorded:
**1:30:16**
